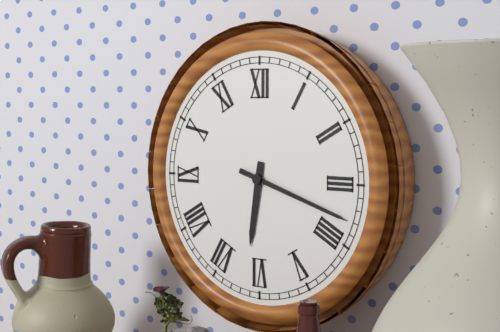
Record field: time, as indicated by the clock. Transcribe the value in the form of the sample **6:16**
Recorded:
**6:18**
